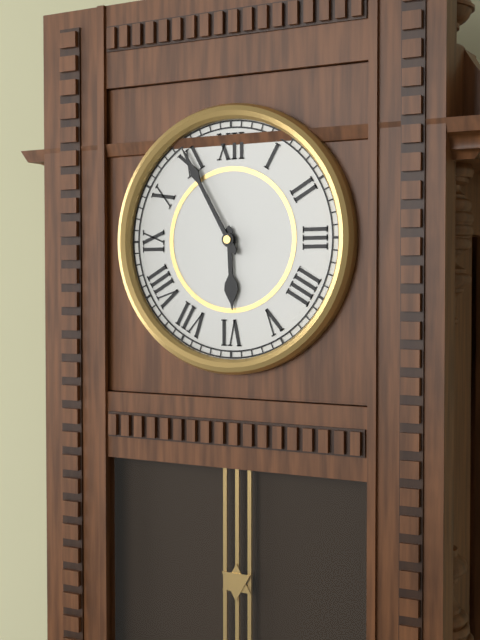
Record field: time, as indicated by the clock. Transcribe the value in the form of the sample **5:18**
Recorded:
**5:55**
